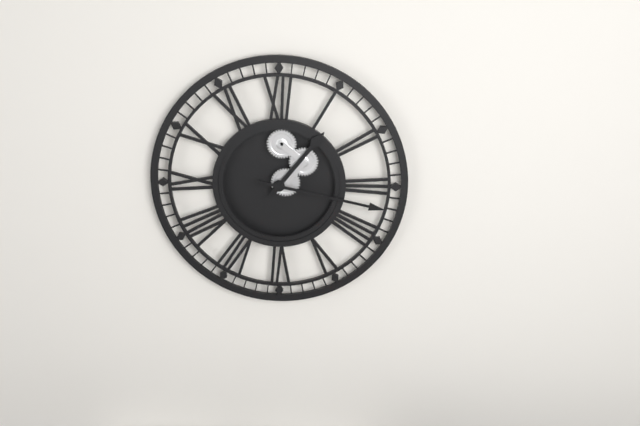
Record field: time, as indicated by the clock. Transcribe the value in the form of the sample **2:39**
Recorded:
**1:17**
